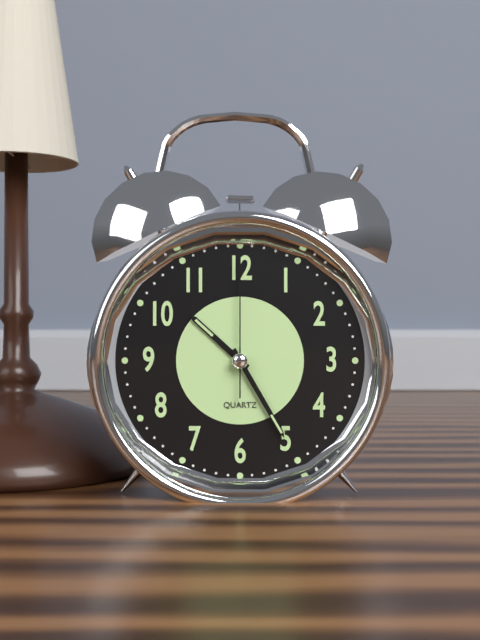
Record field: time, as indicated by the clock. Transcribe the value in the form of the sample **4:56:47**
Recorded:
**10:25:00**
